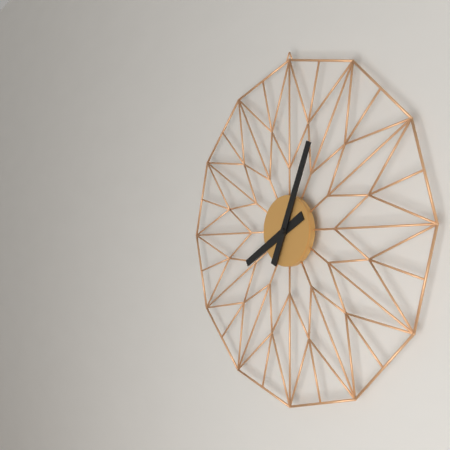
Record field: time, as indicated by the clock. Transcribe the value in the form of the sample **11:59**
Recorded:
**8:04**
